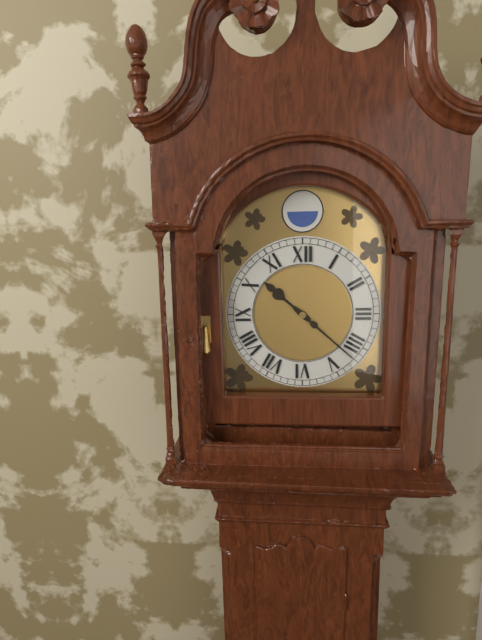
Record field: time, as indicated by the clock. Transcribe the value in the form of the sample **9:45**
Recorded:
**10:22**
